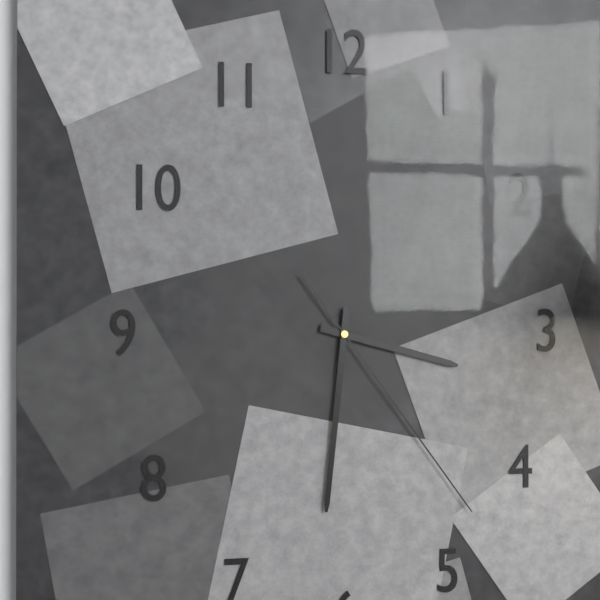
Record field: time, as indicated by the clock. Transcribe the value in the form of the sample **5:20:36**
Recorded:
**3:31:24**
